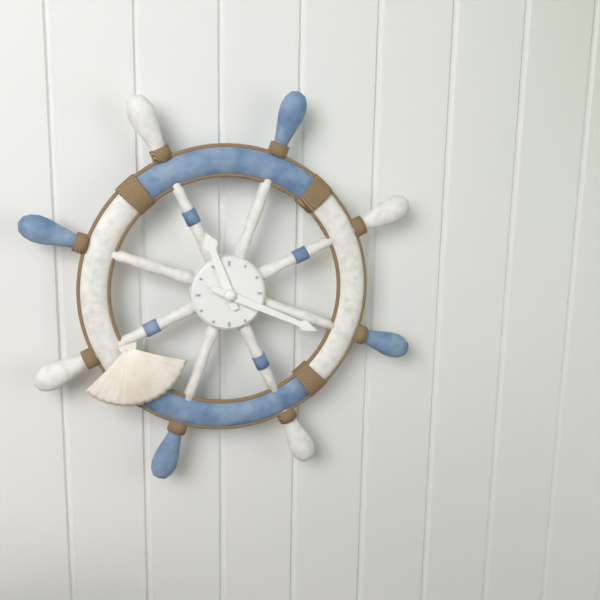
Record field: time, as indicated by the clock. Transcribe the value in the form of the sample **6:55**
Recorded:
**11:19**
